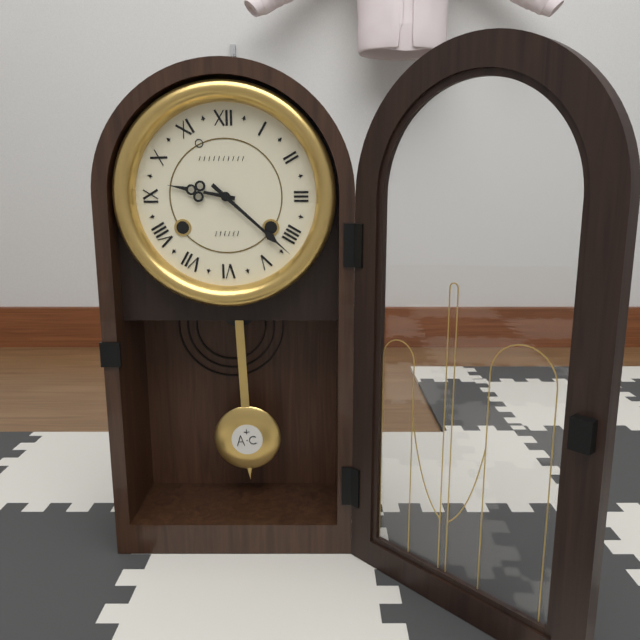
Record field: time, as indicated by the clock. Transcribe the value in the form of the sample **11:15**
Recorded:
**9:22**
